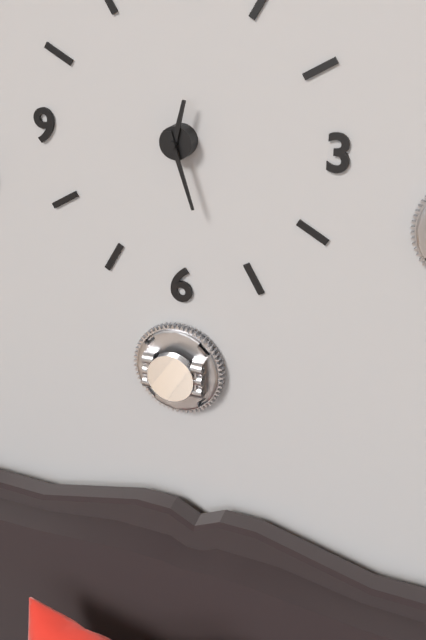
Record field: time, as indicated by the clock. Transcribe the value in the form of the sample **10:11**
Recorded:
**12:27**
